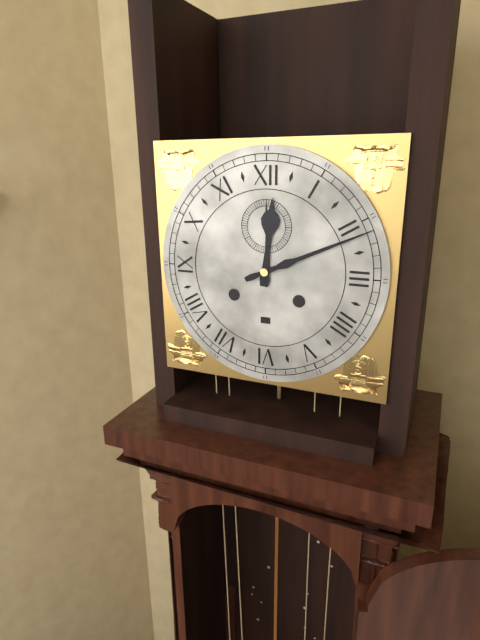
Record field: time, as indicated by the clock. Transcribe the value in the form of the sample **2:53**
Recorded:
**12:11**
